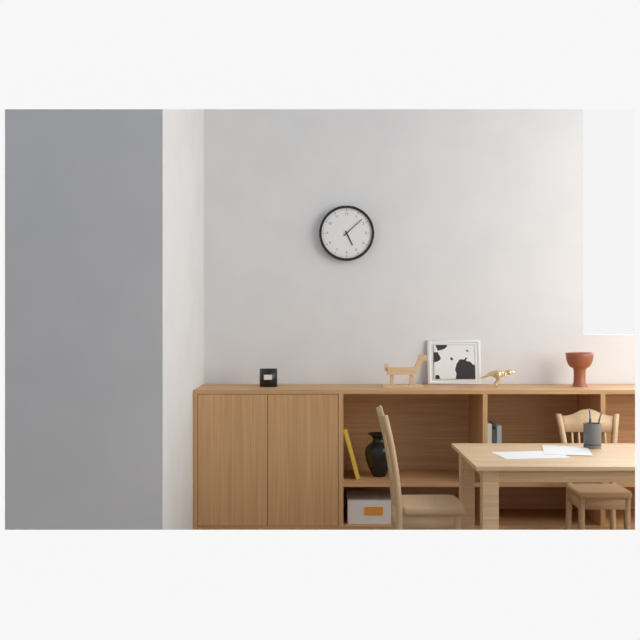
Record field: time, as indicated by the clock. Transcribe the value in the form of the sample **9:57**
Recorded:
**5:08**
